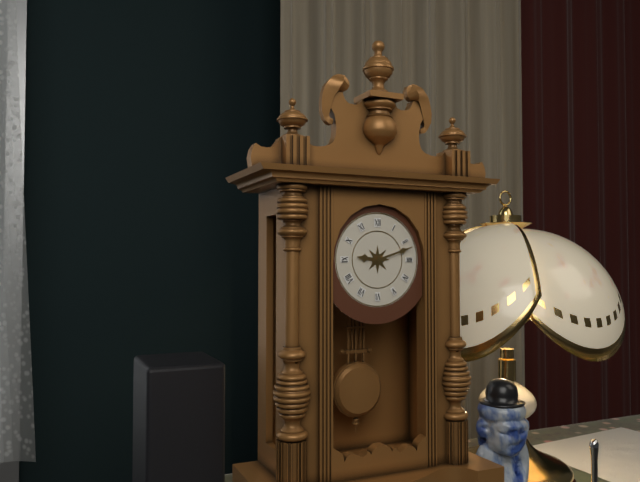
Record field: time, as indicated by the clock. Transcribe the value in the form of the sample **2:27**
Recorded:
**9:12**
